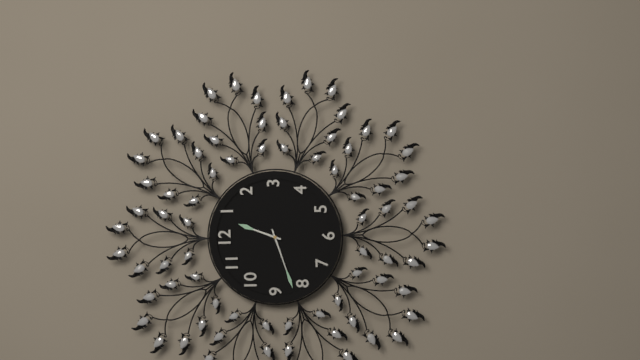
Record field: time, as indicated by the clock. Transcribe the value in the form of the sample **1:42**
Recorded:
**12:42**
